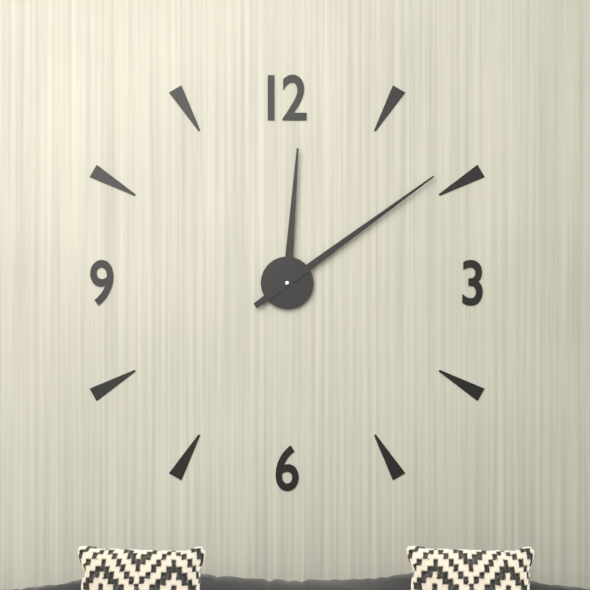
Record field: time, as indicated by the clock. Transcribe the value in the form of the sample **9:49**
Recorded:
**12:09**
